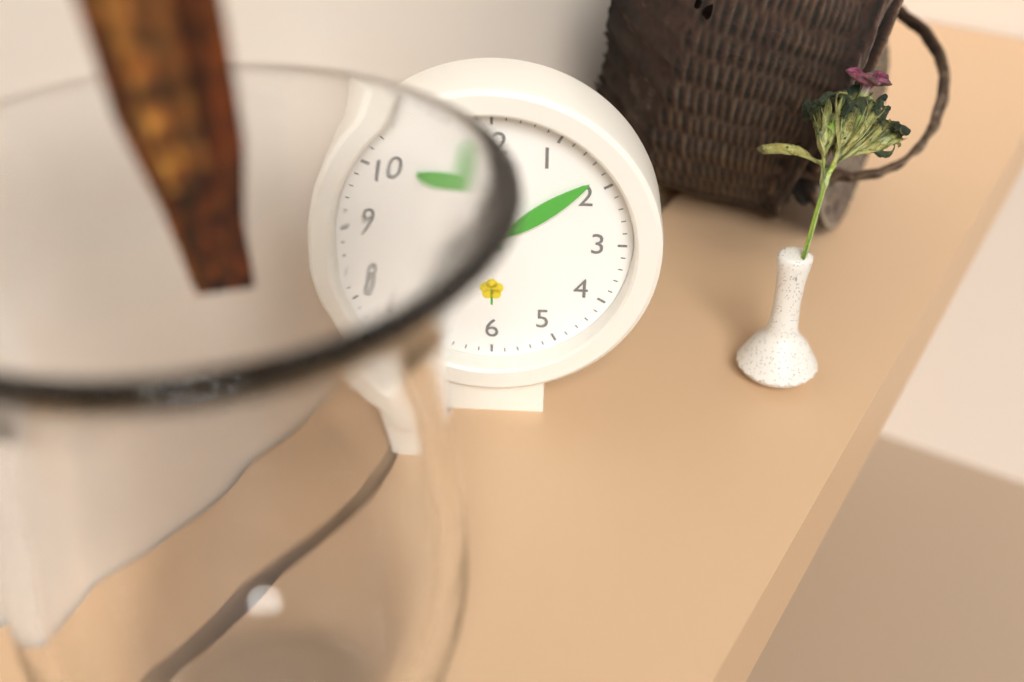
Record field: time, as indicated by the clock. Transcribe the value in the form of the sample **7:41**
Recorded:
**10:09**
